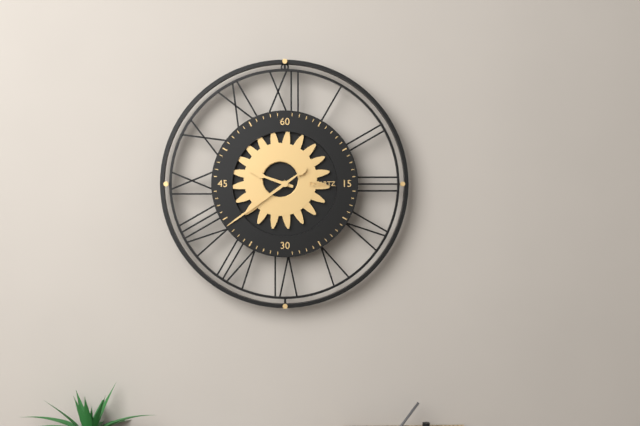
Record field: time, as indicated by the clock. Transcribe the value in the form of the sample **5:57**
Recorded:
**9:39**
